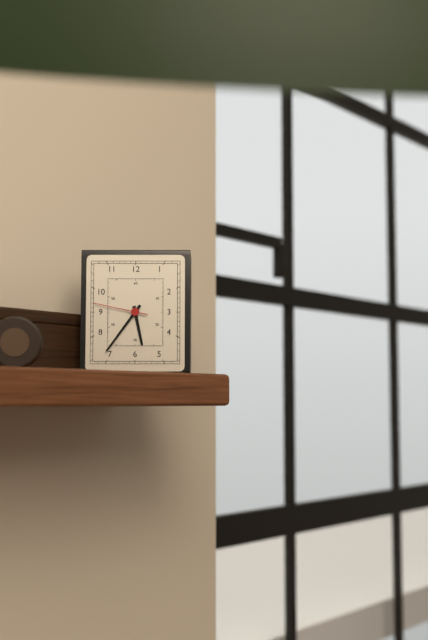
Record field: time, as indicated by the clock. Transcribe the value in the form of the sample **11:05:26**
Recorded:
**5:36:47**
